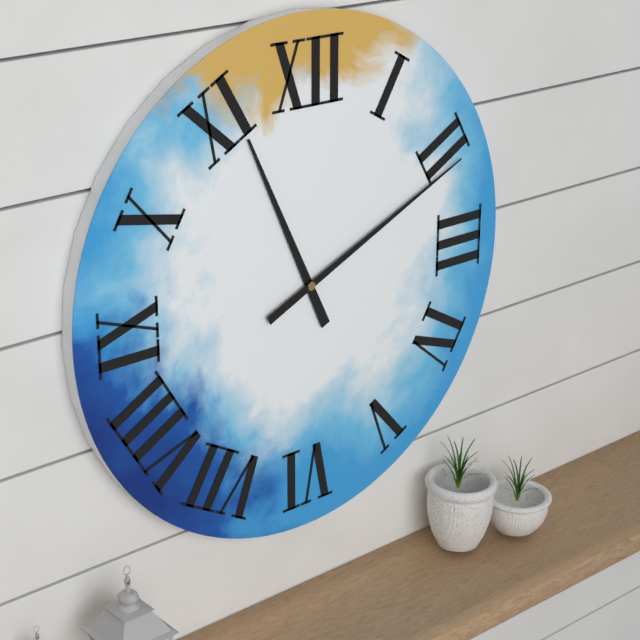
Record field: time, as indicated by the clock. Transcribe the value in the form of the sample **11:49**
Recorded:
**11:11**
